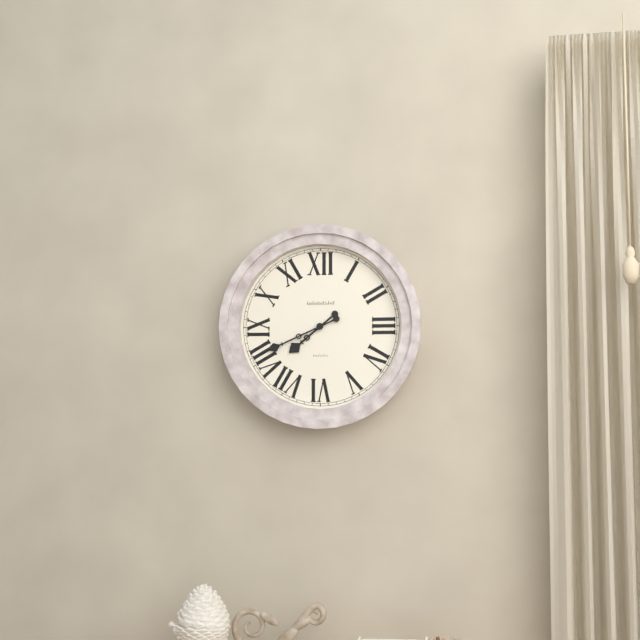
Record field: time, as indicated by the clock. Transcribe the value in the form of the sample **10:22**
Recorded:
**7:41**
